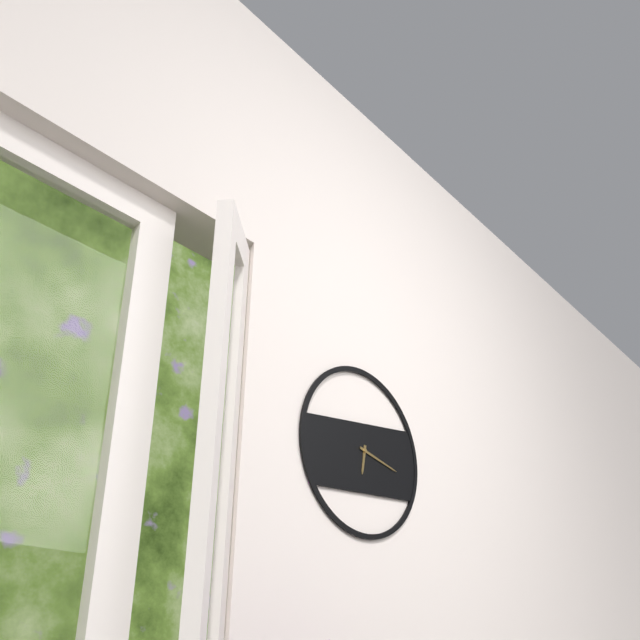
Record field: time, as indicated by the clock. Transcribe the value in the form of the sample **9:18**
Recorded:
**6:17**
